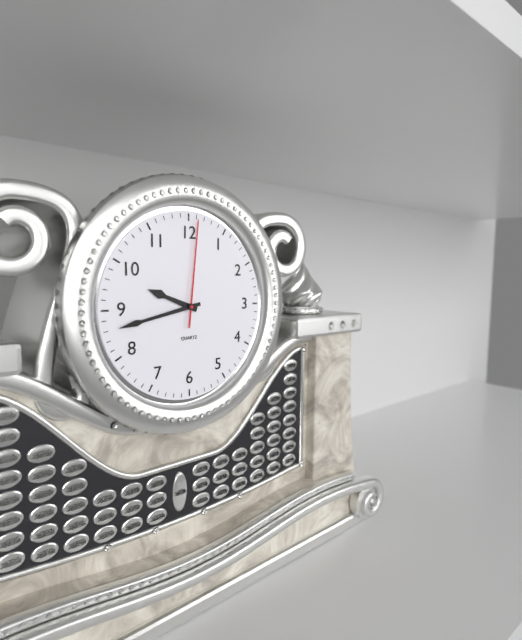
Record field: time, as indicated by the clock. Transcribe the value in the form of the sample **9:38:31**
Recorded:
**9:43:01**
